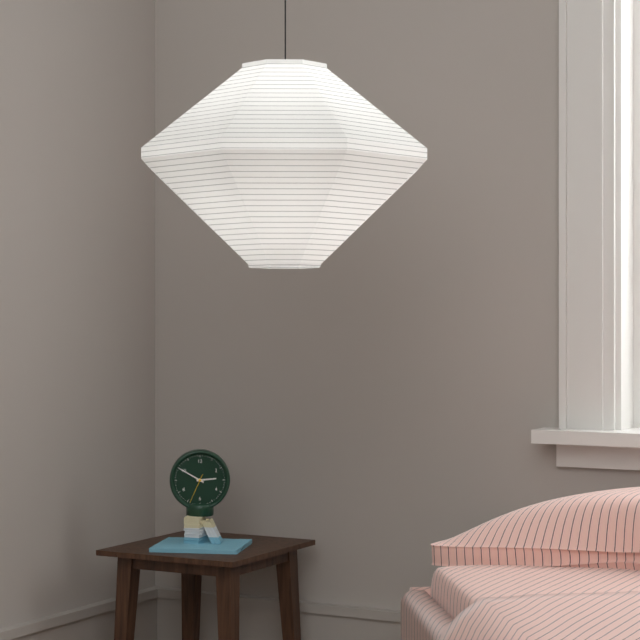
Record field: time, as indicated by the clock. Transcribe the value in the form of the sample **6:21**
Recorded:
**2:50**
